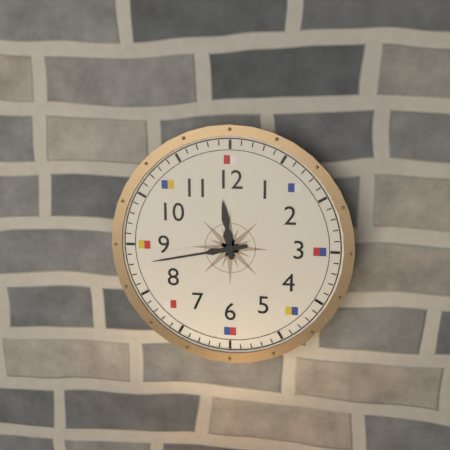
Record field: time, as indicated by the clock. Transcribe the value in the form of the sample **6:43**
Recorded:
**11:43**
